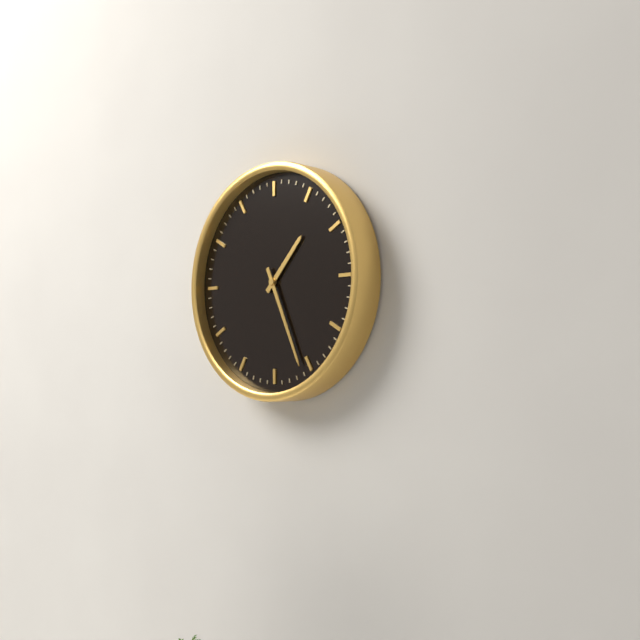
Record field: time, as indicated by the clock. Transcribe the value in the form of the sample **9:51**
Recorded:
**1:26**
